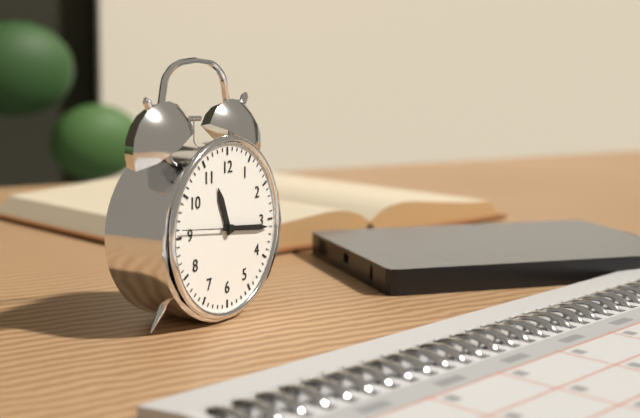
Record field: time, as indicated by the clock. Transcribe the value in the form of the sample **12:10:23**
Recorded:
**11:16:46**
